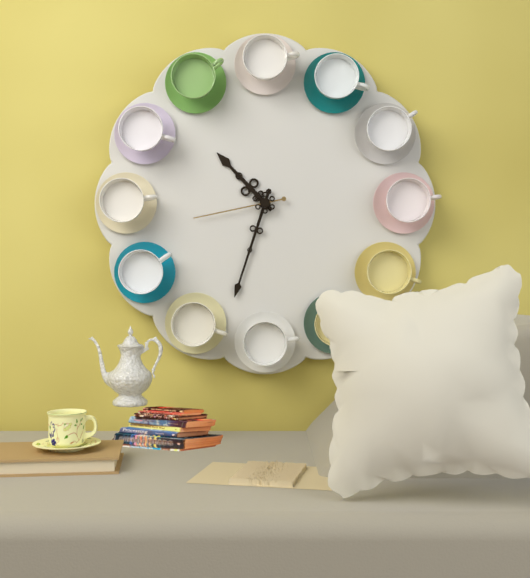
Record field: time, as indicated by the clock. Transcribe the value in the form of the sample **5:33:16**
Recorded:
**10:33:43**
